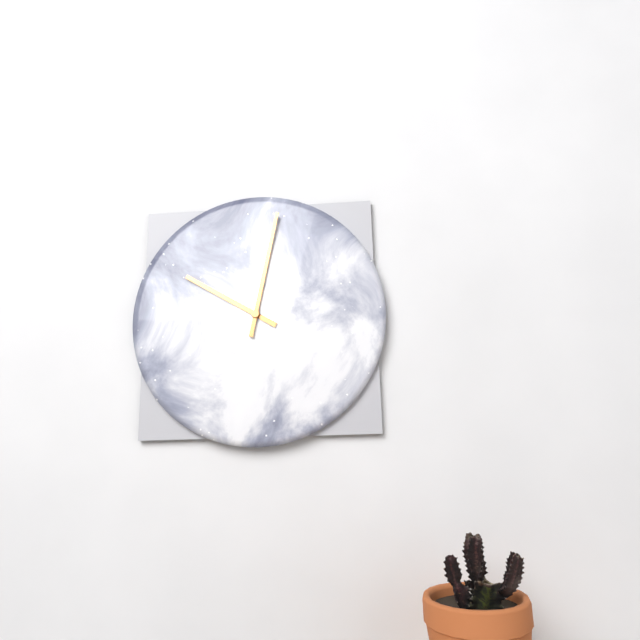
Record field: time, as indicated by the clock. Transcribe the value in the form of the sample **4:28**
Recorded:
**10:02**
